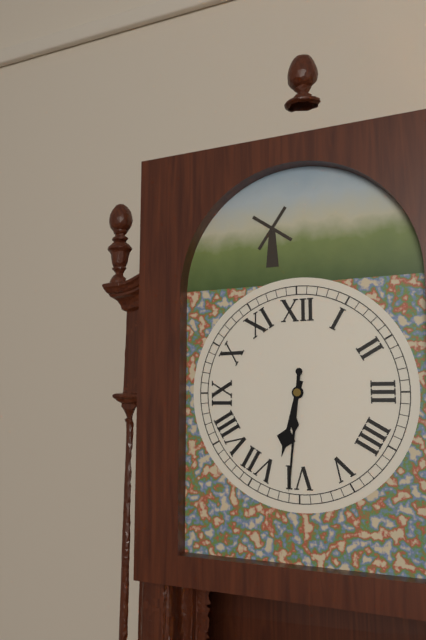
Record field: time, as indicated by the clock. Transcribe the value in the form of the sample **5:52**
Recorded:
**6:31**
